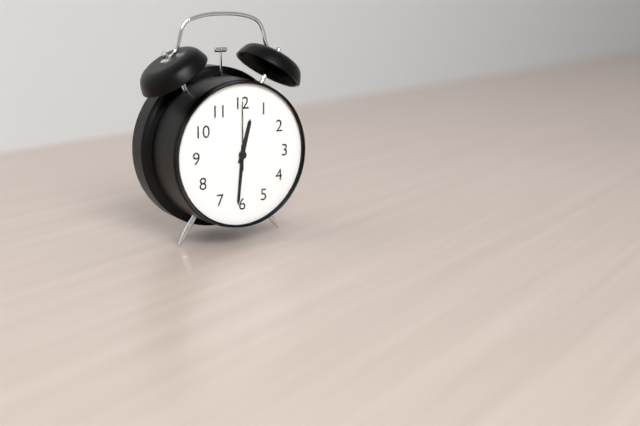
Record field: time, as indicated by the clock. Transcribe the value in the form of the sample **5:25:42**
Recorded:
**12:31:00**
